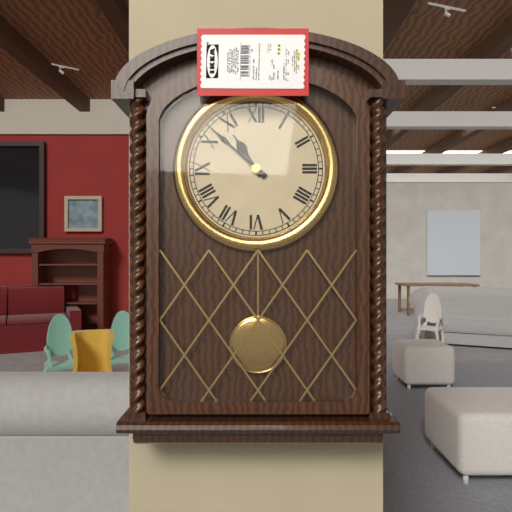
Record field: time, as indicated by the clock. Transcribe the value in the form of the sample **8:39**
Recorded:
**10:52**
